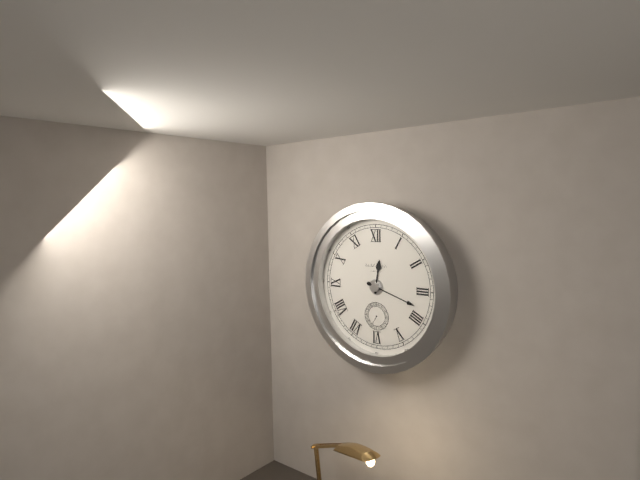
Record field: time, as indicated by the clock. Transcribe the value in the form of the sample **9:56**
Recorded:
**12:18**
